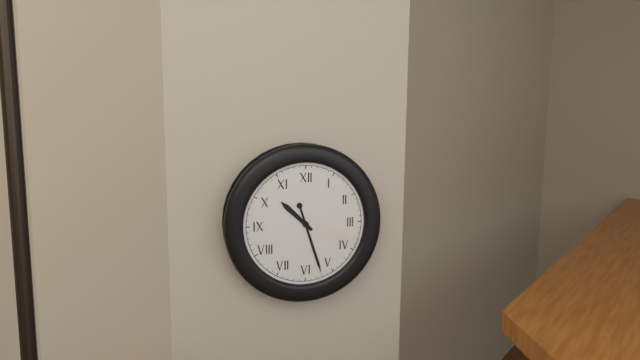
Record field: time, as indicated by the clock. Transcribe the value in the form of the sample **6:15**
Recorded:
**10:27**
